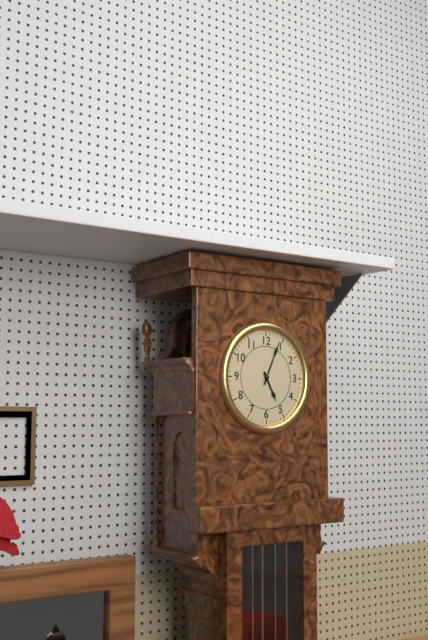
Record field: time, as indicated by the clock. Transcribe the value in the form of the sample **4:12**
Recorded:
**5:04**
